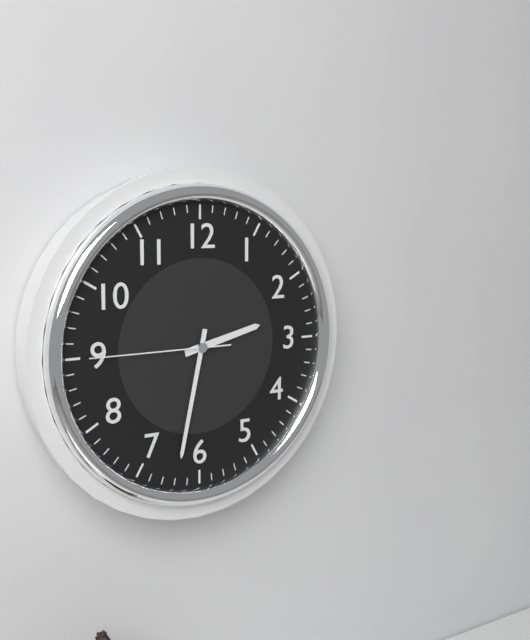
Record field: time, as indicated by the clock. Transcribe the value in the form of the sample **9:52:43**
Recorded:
**2:32:45**
